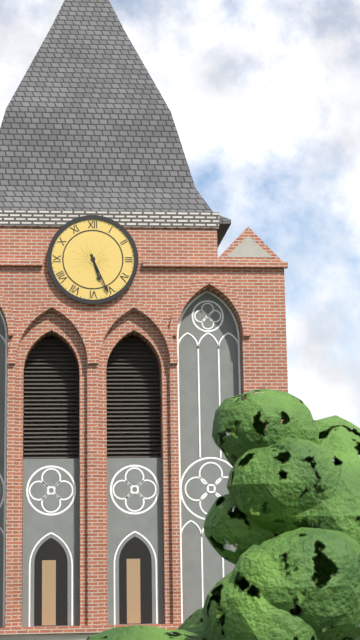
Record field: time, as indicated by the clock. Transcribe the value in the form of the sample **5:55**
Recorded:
**5:26**
